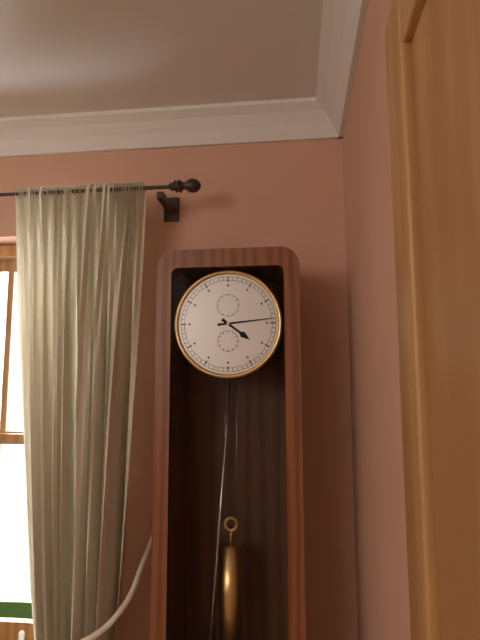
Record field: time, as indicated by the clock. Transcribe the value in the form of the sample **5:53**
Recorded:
**4:14**
